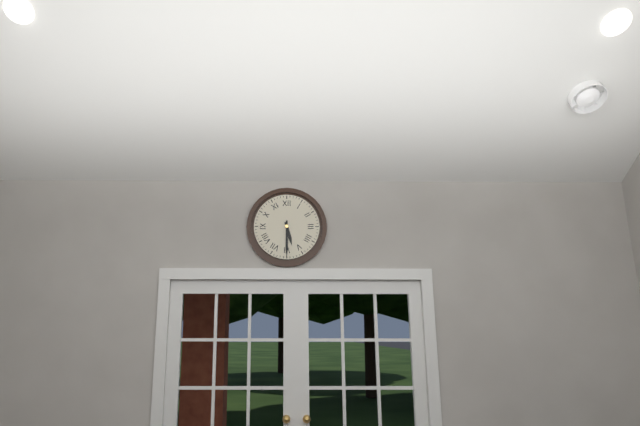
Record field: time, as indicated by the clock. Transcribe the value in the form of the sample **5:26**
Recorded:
**5:30**
